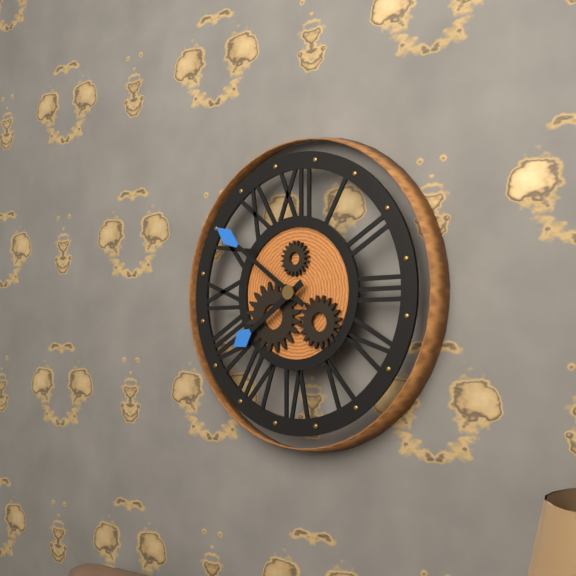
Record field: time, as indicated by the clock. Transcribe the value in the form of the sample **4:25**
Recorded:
**7:51**
